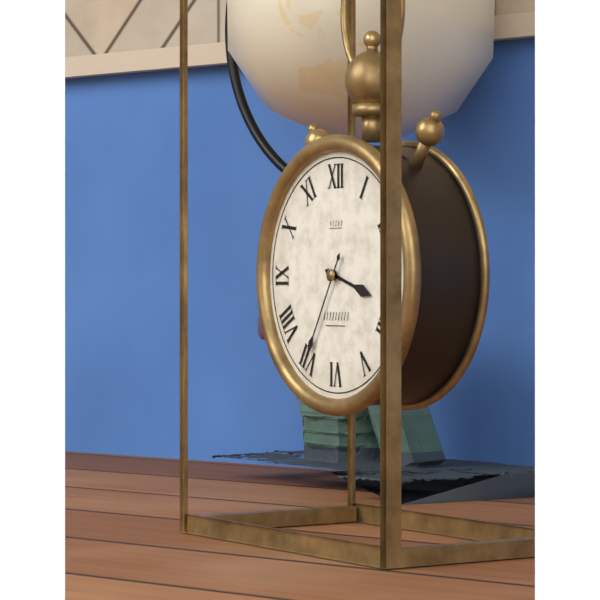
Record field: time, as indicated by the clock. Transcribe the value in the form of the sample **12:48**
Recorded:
**3:35**
